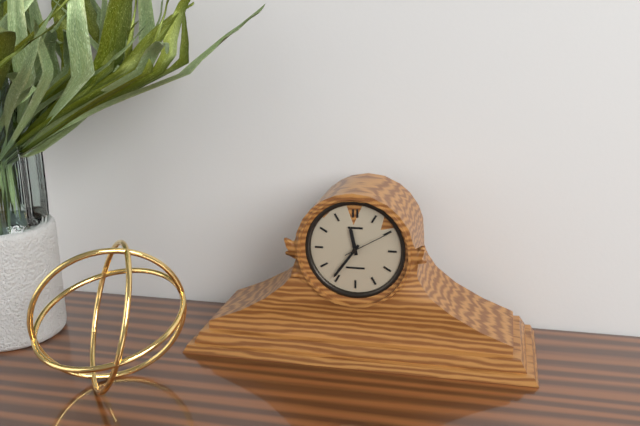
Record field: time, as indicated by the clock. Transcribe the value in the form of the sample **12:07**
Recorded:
**11:36**
